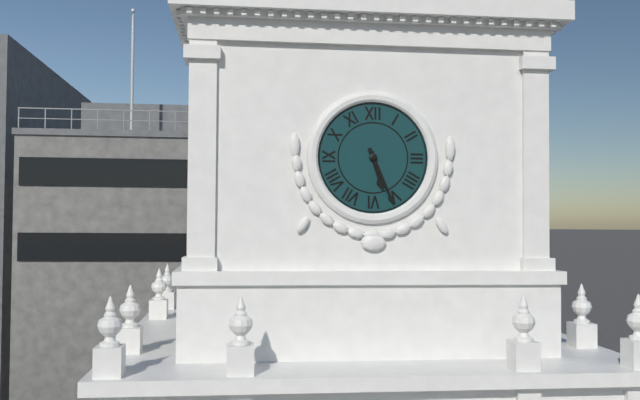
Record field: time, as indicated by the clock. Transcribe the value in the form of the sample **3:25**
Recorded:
**5:26**
